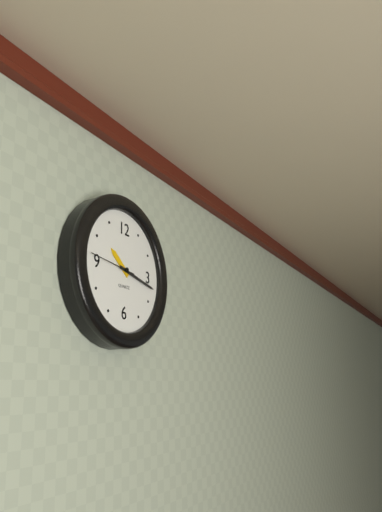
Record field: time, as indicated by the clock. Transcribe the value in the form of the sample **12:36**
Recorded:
**10:17**
